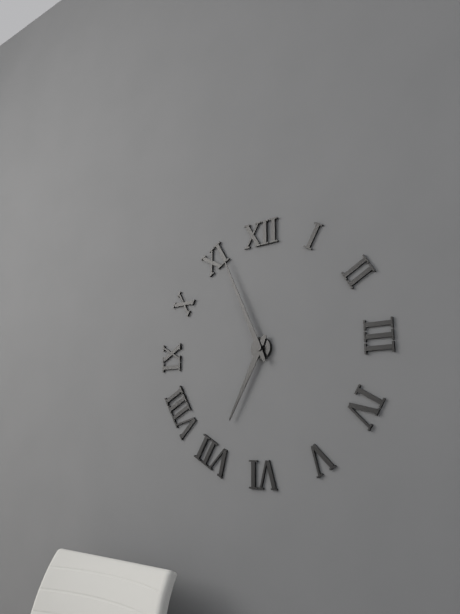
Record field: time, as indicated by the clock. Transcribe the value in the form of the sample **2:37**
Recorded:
**6:56**
